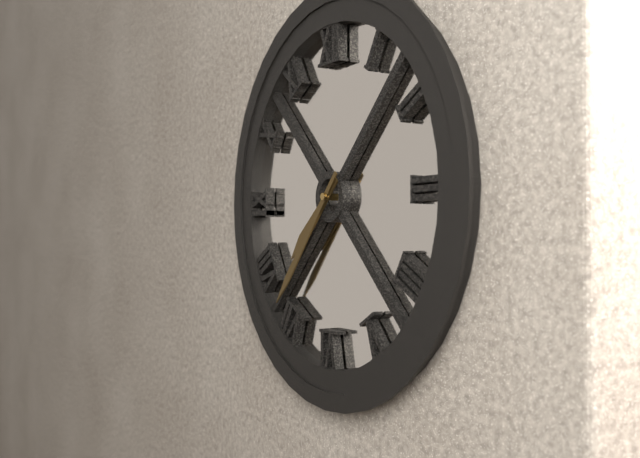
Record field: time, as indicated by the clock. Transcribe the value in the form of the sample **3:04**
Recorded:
**7:37**
